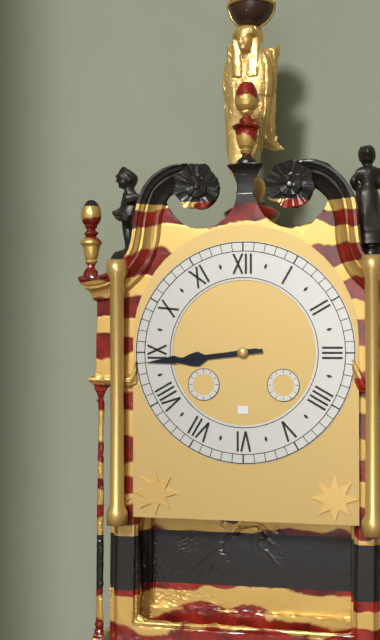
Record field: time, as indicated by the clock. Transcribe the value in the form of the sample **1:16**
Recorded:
**8:44**
